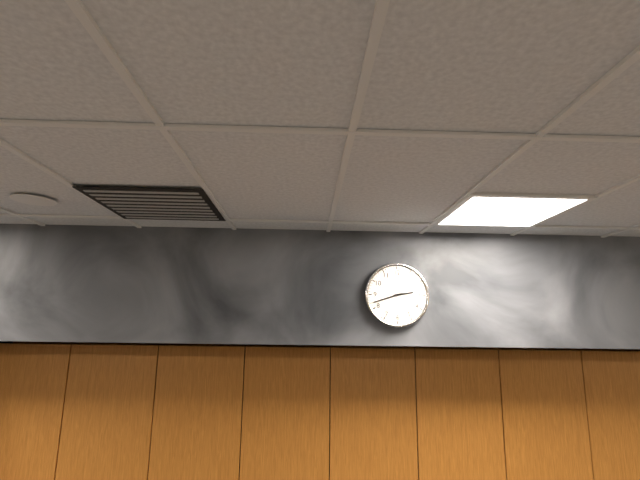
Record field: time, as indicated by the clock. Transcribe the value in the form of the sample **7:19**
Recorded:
**2:42**
